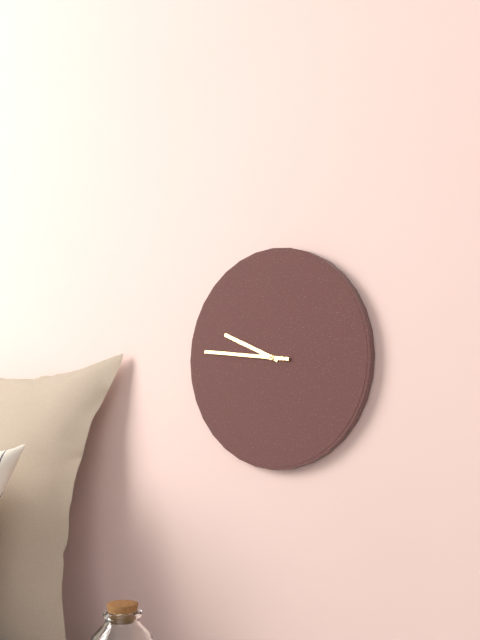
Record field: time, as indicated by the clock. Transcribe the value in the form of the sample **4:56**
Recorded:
**9:46**
